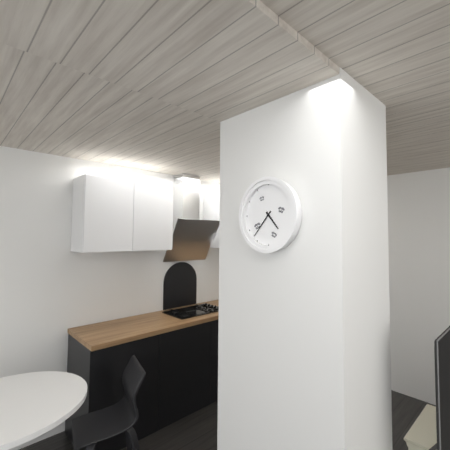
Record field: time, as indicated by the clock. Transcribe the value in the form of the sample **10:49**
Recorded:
**4:37**
